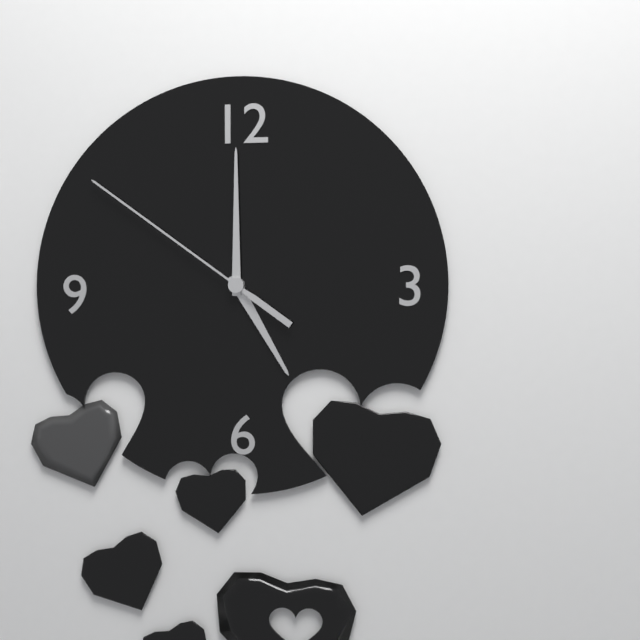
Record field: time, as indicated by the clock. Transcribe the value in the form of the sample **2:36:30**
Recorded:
**5:00:51**
